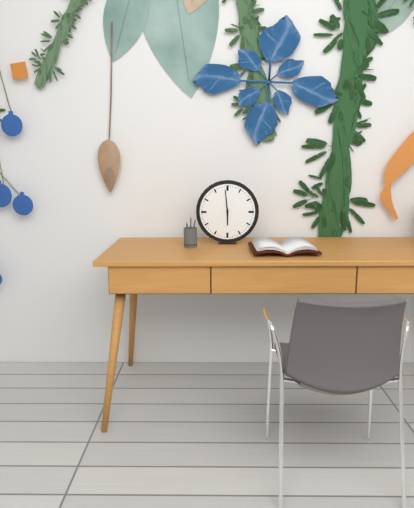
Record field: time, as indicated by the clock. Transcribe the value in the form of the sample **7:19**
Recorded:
**5:59**
